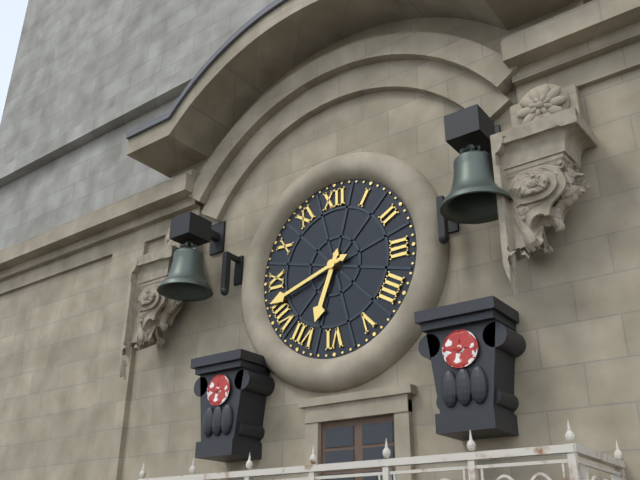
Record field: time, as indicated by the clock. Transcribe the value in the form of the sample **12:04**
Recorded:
**6:42**
